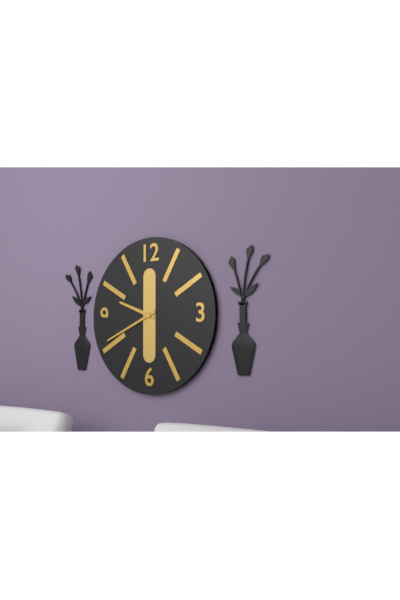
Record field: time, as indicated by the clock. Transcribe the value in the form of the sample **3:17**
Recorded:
**9:41**
